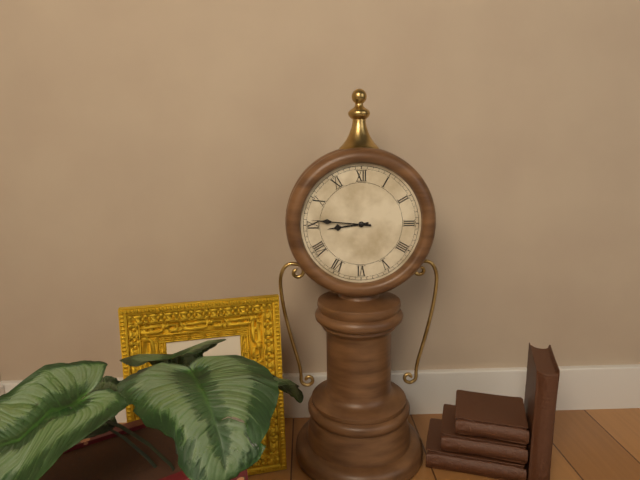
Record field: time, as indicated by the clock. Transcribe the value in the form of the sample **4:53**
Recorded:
**8:46**
